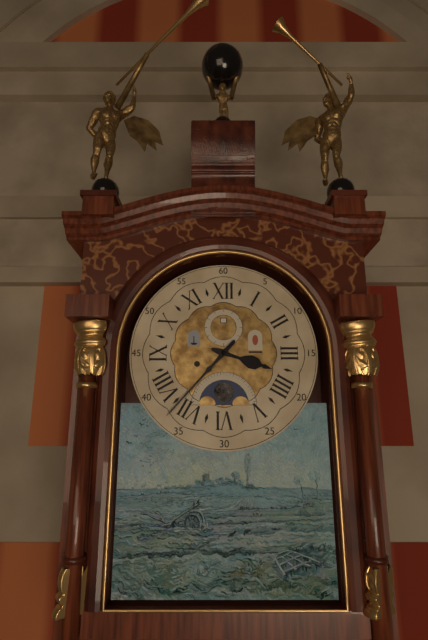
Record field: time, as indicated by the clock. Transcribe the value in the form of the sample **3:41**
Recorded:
**3:37**
